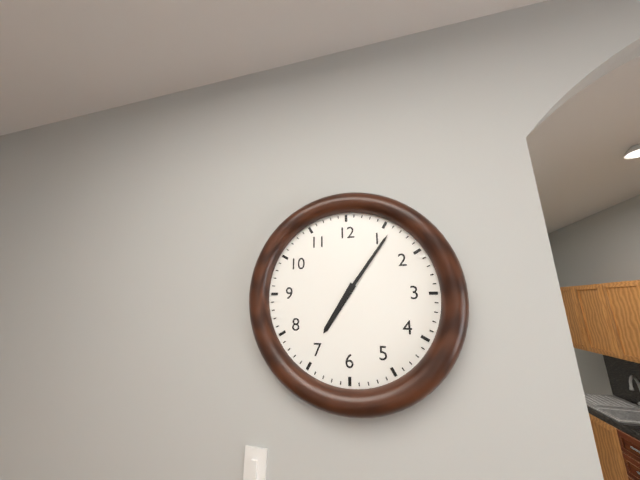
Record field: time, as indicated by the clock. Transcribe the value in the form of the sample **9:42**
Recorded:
**7:06**
